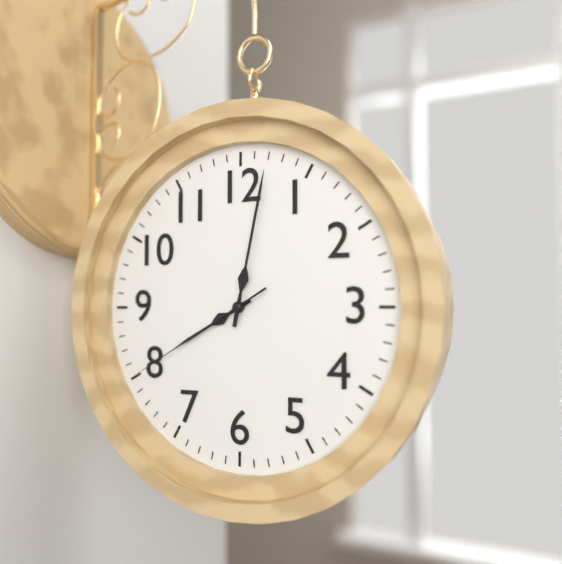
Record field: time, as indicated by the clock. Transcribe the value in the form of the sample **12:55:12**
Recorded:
**8:02:40**
